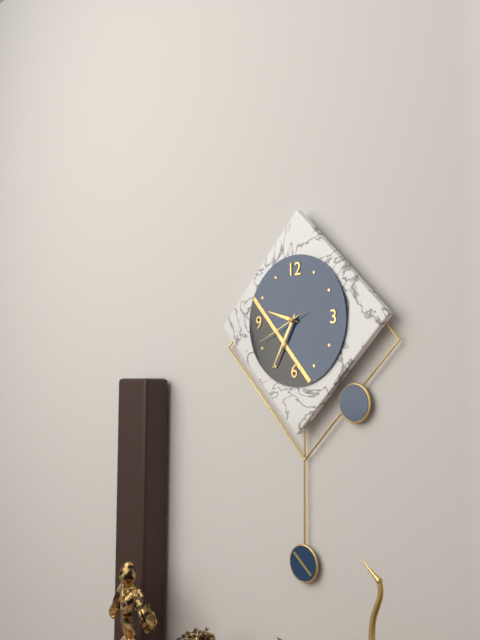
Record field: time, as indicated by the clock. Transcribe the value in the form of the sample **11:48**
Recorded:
**9:35**
